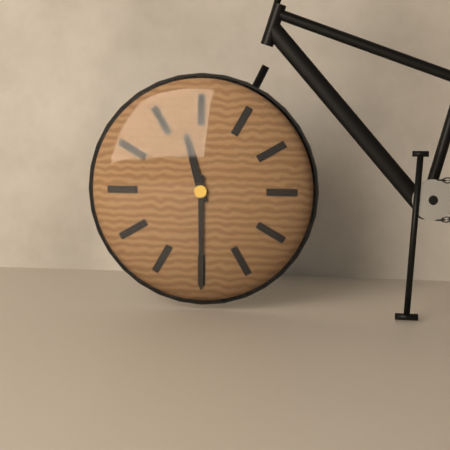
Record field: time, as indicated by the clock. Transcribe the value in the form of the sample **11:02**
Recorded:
**11:30**
